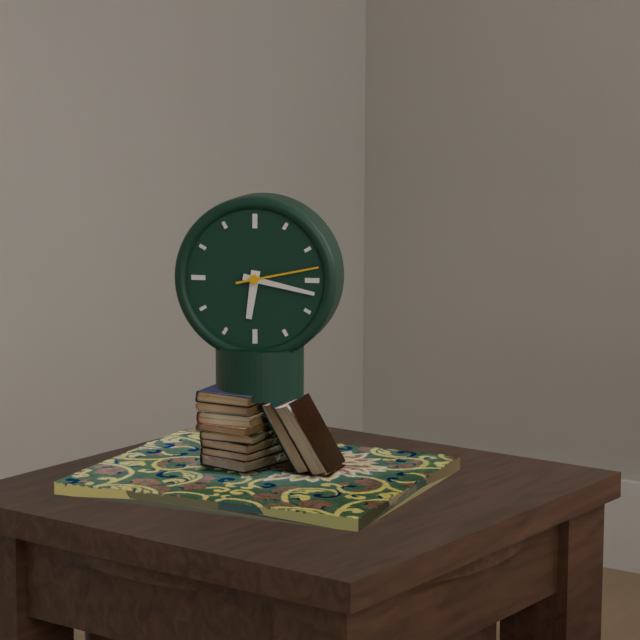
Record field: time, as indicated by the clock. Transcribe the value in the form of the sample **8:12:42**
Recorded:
**6:17:13**
